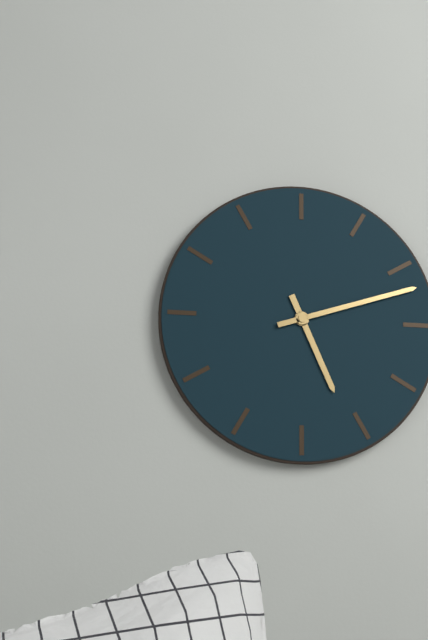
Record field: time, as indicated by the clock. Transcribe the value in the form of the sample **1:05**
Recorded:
**5:12**
